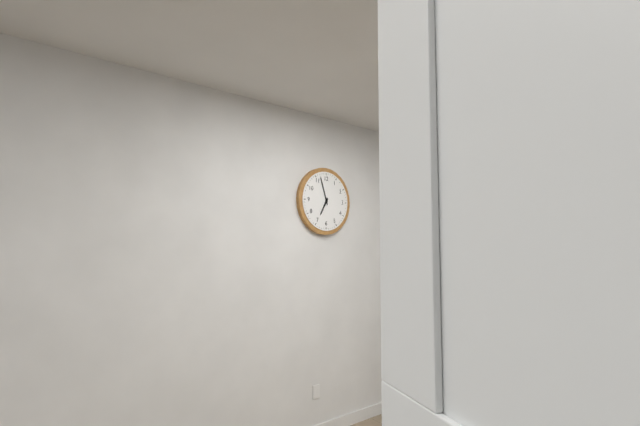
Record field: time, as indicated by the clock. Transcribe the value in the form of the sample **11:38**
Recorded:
**6:57**
